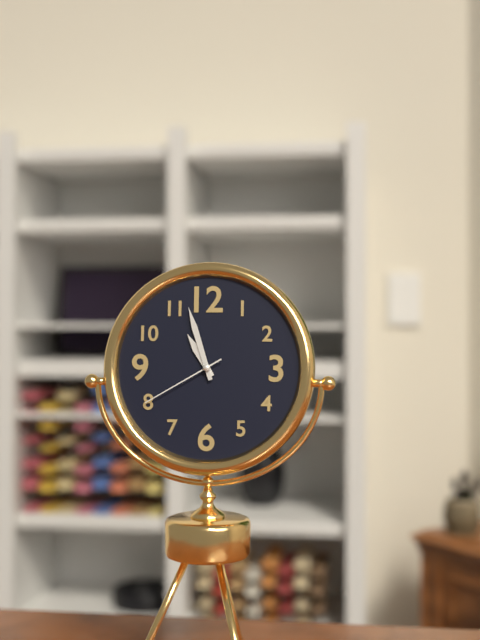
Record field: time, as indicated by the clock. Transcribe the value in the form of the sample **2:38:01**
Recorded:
**10:57:40**
